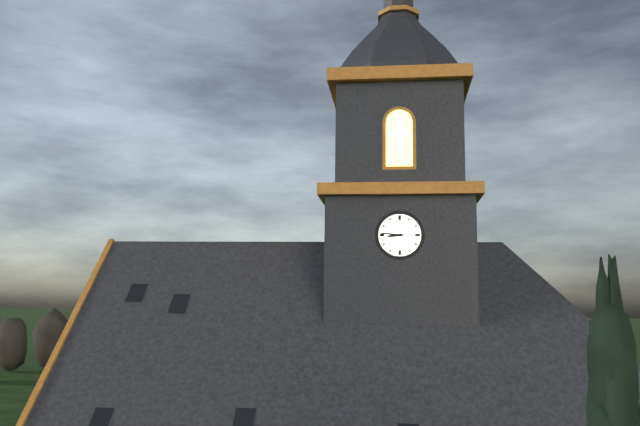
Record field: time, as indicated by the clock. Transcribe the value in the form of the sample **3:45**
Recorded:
**8:46**
